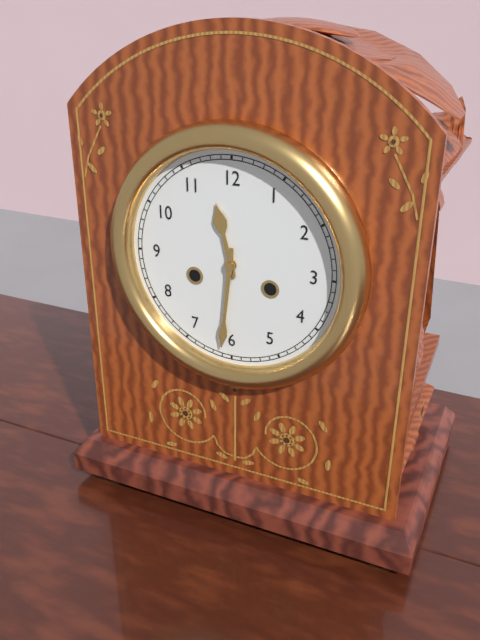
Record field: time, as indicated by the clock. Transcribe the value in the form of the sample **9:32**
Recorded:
**11:31**
